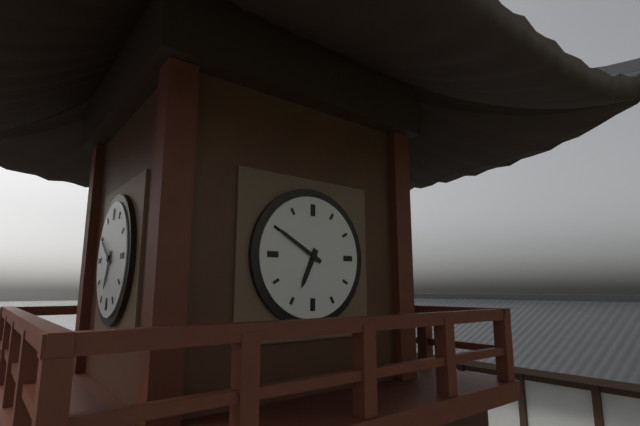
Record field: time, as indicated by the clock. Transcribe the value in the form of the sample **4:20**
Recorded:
**6:50**
